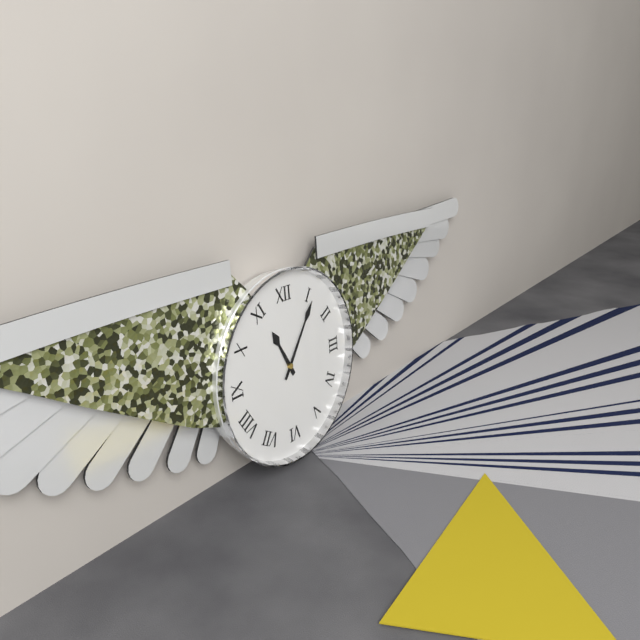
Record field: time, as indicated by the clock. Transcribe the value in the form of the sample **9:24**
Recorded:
**11:06**
